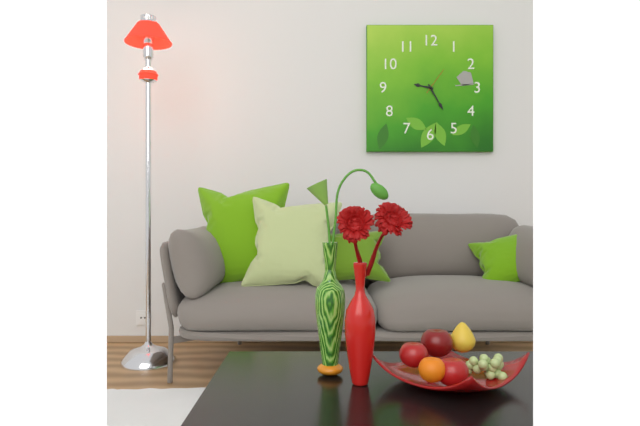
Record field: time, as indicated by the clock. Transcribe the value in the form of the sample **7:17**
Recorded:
**9:25**
